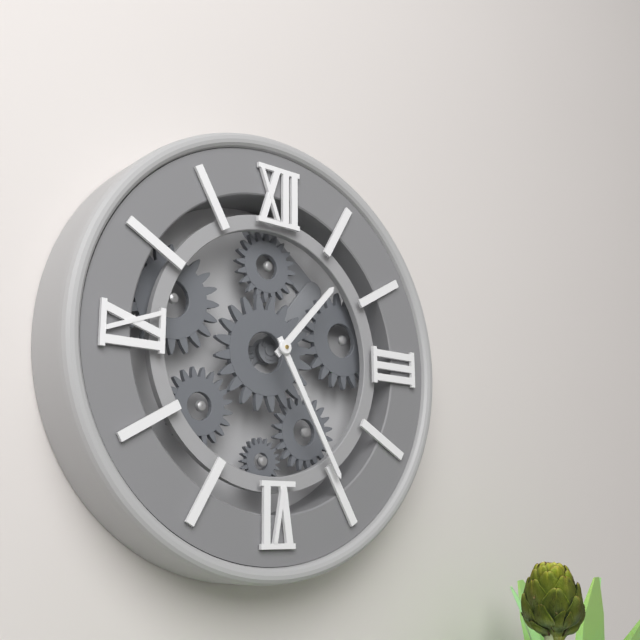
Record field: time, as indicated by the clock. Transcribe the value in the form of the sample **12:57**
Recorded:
**1:25**
